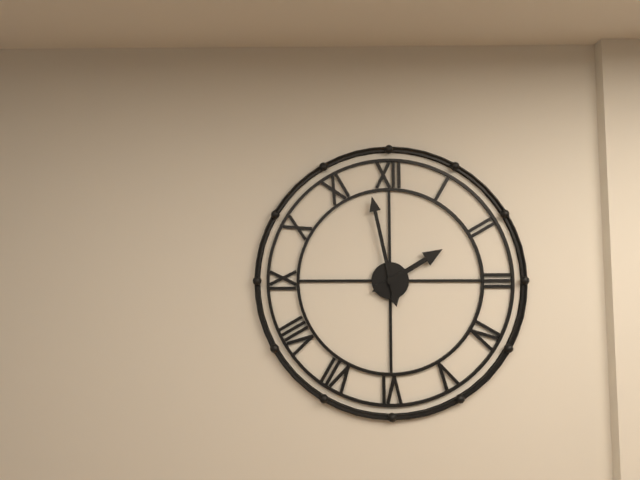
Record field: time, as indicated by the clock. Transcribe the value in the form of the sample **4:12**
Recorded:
**1:58**
